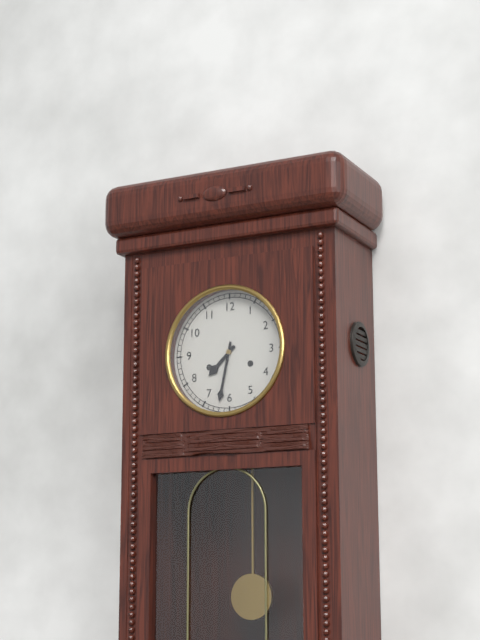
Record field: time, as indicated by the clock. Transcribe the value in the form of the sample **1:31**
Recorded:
**7:32**
